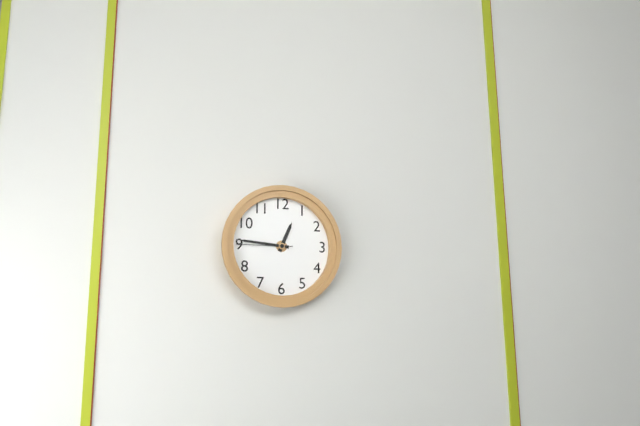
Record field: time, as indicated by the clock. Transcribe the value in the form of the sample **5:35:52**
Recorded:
**12:46:45**
